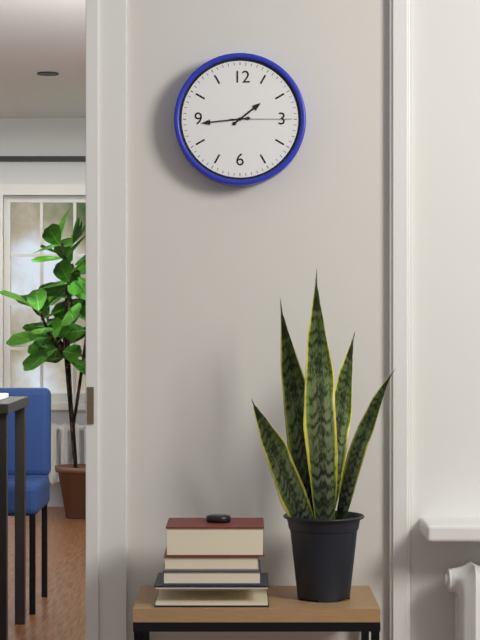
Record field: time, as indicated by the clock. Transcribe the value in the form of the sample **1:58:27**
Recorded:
**1:44:15**
